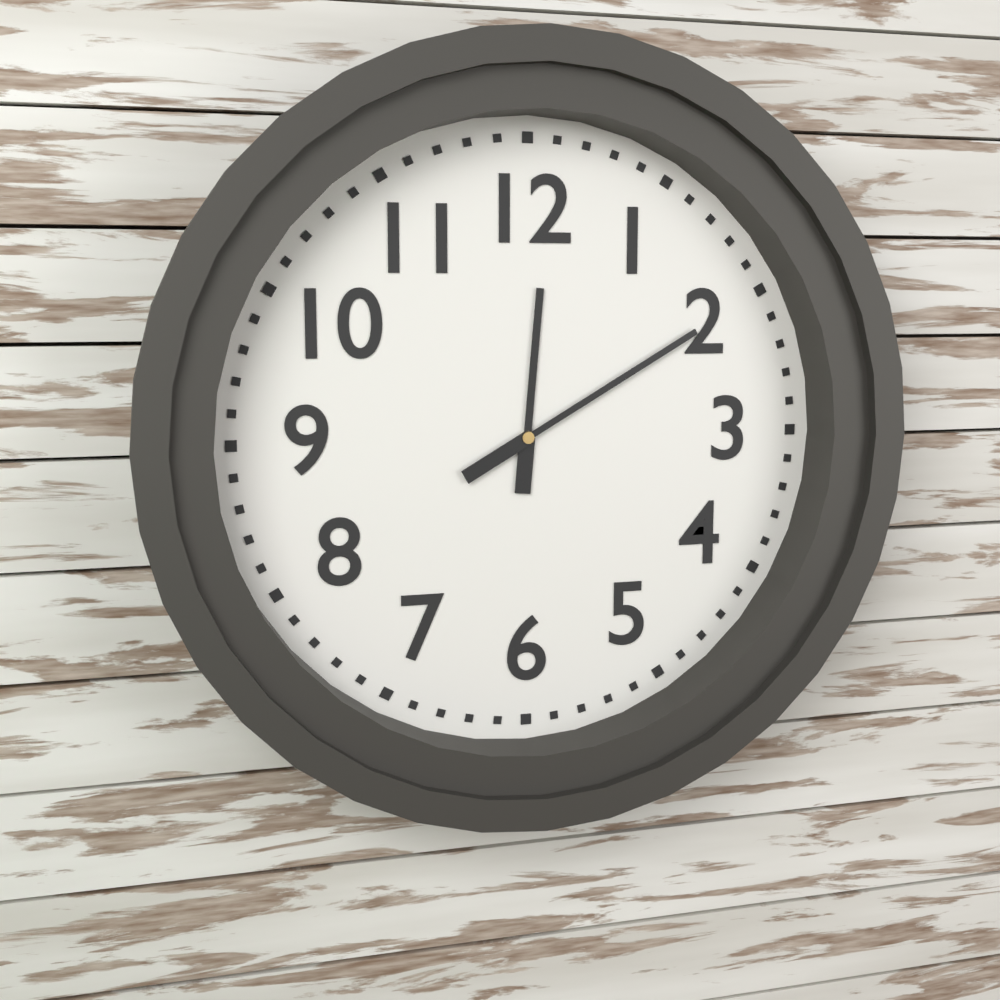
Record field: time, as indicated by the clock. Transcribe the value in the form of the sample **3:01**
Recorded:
**12:10**
